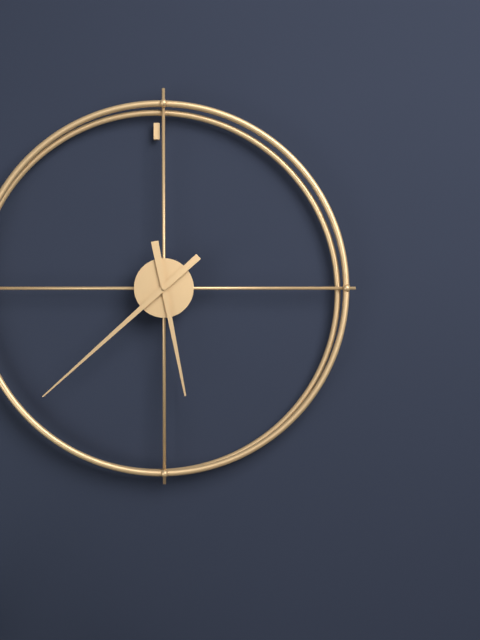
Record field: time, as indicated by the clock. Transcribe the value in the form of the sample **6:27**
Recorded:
**5:38**
